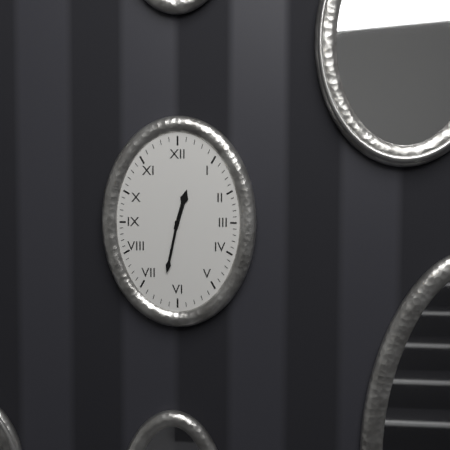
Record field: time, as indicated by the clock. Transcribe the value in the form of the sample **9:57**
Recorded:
**12:32**
